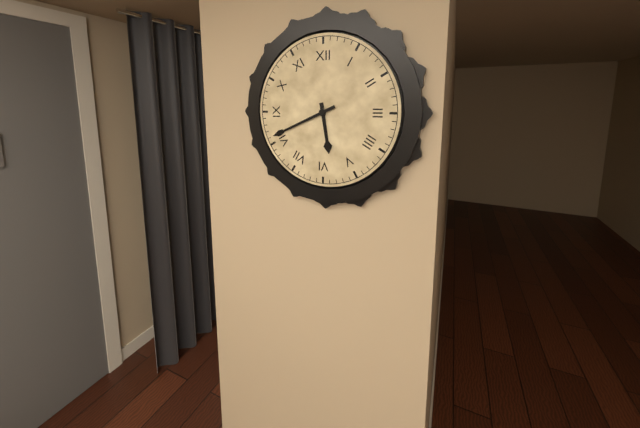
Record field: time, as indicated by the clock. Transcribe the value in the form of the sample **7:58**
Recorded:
**5:41**
